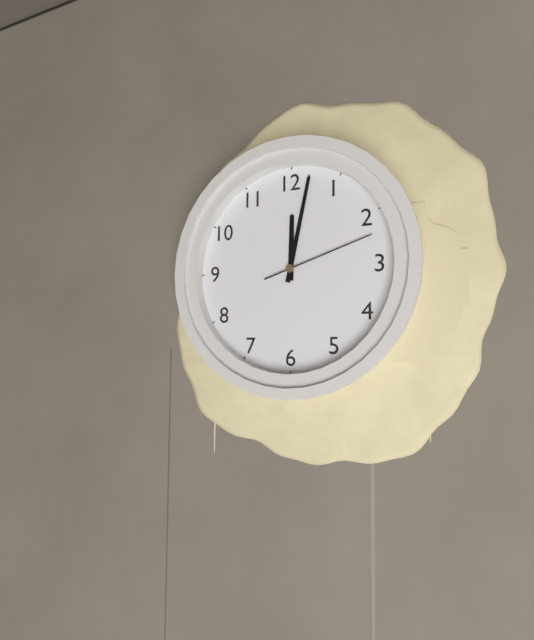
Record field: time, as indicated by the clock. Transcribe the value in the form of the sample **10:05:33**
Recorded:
**12:02:12**
